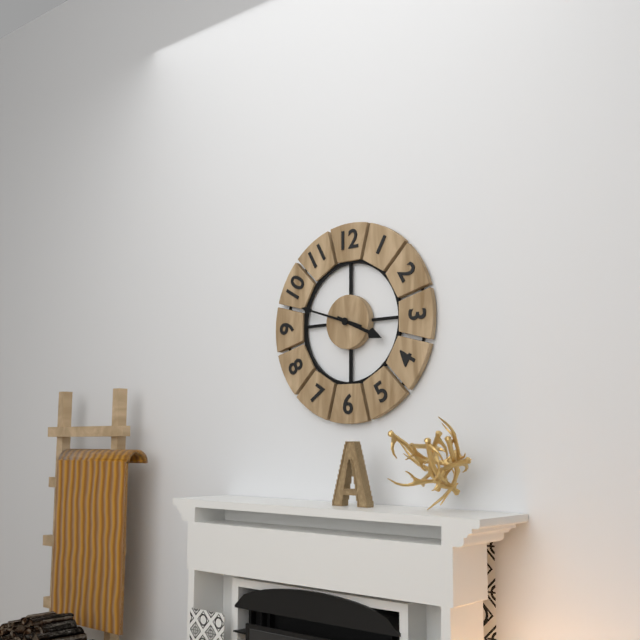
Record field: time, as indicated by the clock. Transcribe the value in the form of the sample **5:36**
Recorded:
**3:48**
